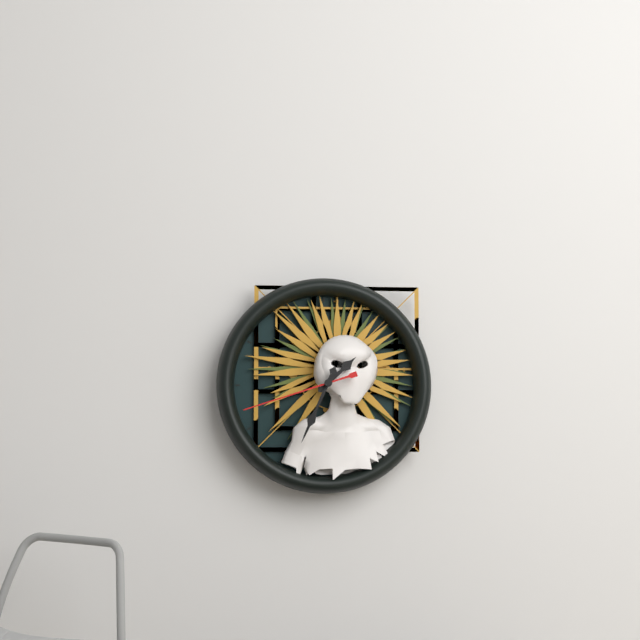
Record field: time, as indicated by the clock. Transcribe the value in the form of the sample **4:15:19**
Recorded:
**1:34:42**
